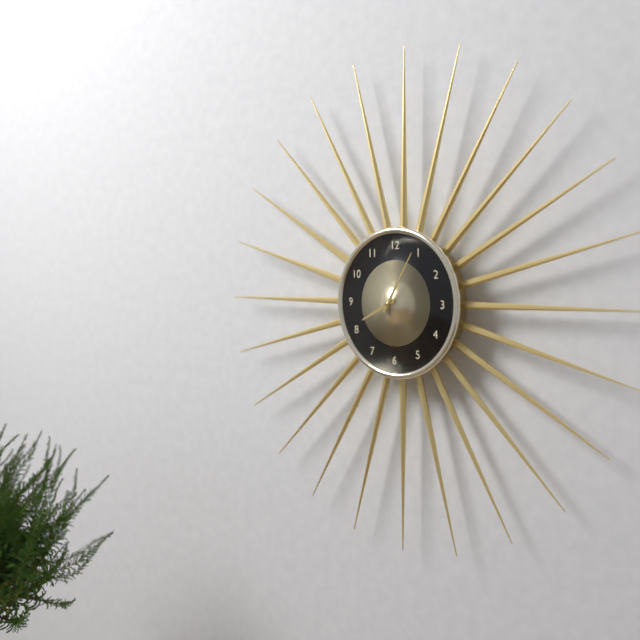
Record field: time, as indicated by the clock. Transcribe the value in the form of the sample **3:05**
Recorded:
**8:05**
